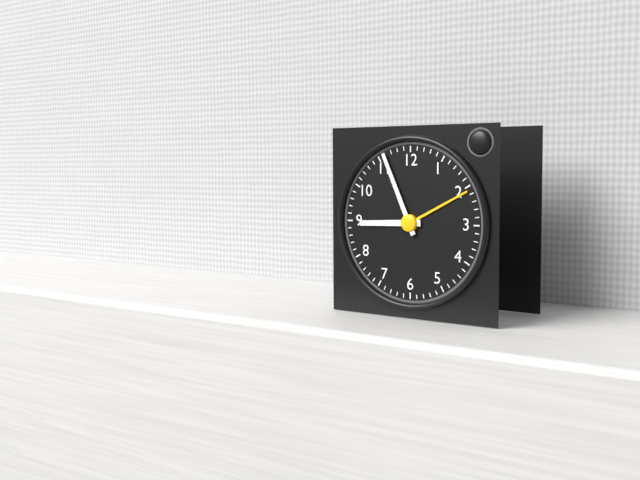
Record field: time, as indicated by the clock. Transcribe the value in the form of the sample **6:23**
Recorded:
**8:56**
